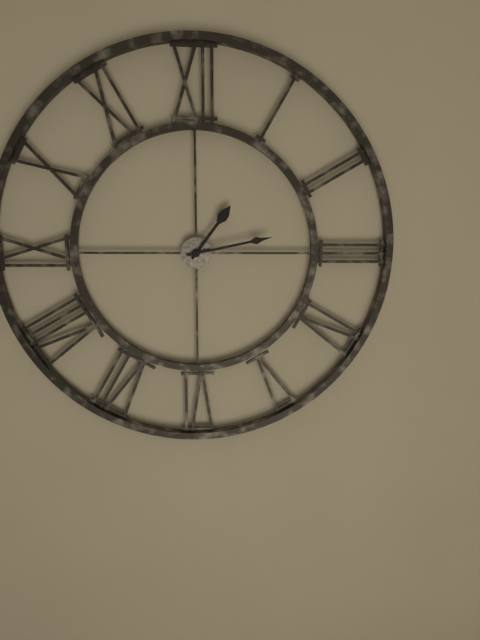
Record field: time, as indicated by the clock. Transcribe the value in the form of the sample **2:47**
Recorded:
**1:13**
